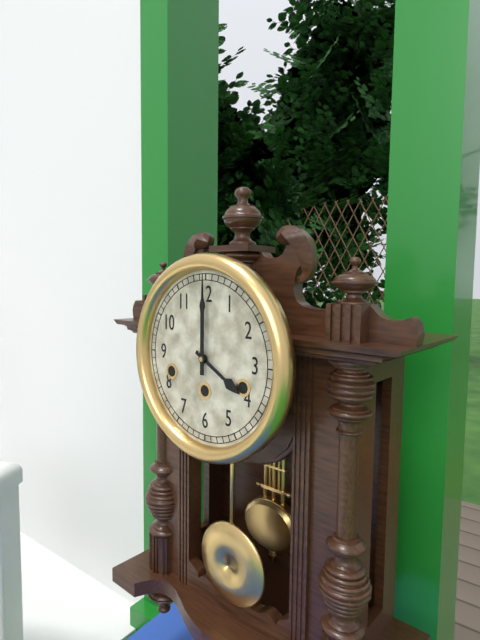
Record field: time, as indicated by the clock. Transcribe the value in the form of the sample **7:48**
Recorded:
**4:00**
